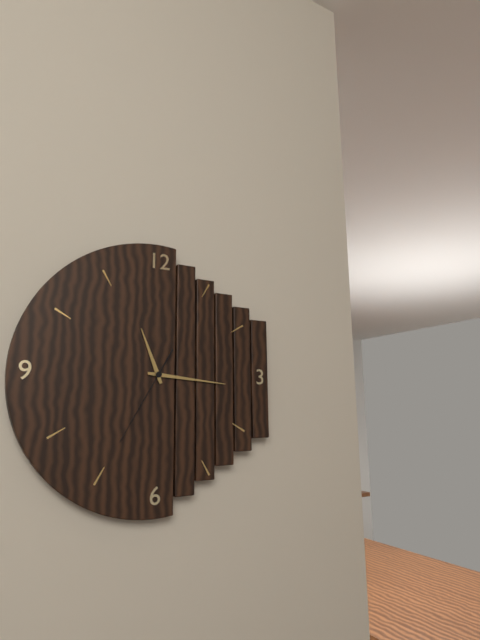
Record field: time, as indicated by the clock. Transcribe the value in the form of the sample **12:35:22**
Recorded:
**11:16:35**
